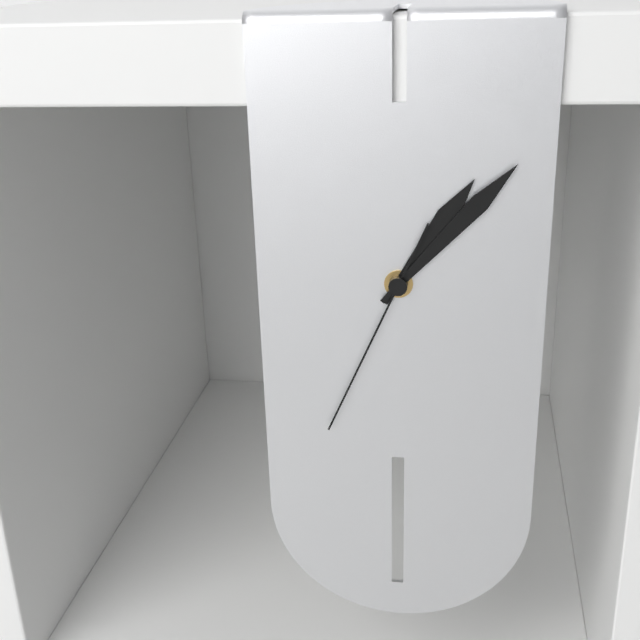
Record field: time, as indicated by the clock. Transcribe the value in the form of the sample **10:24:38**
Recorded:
**1:07:34**
